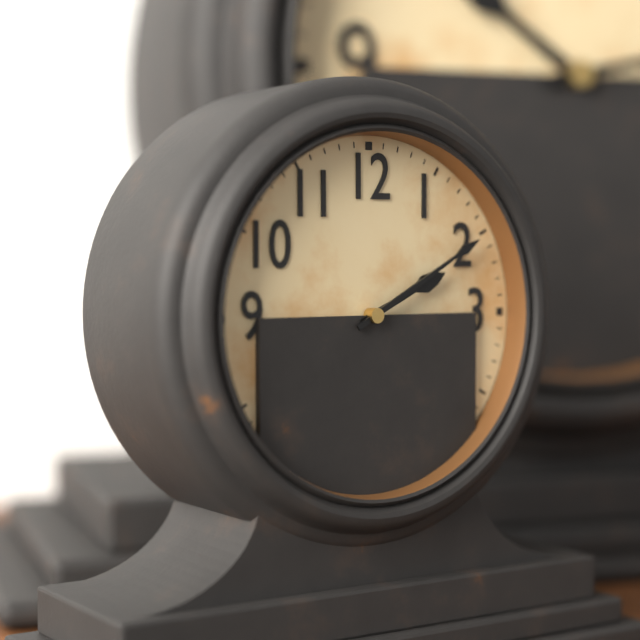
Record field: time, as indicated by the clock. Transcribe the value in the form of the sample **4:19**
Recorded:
**2:10**
